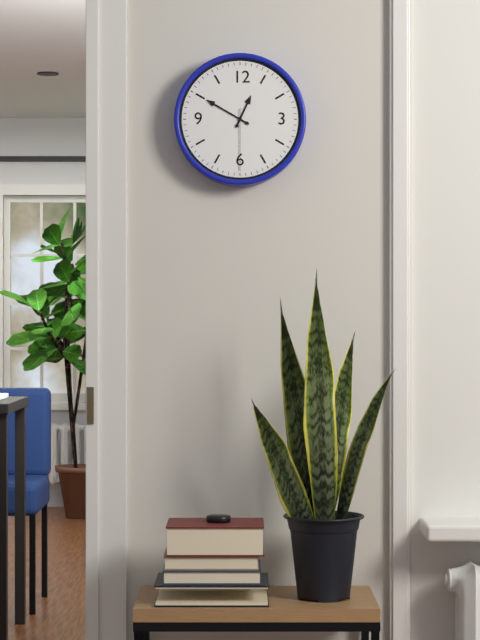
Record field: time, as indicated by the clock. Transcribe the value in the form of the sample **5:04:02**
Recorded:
**12:50:30**
